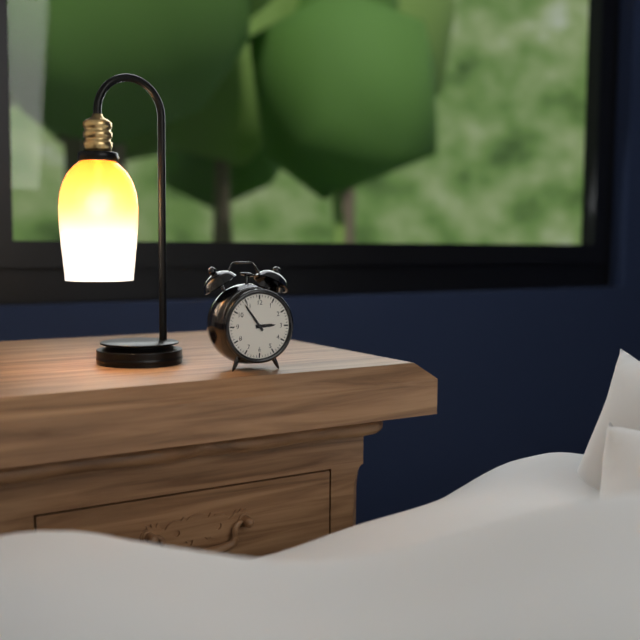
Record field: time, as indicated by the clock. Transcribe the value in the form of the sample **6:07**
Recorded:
**2:54**
